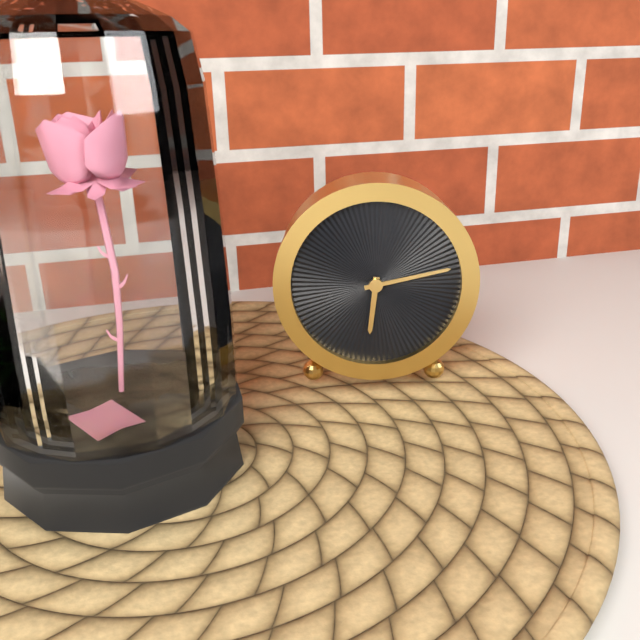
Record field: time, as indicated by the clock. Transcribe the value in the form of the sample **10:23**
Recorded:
**6:13**
